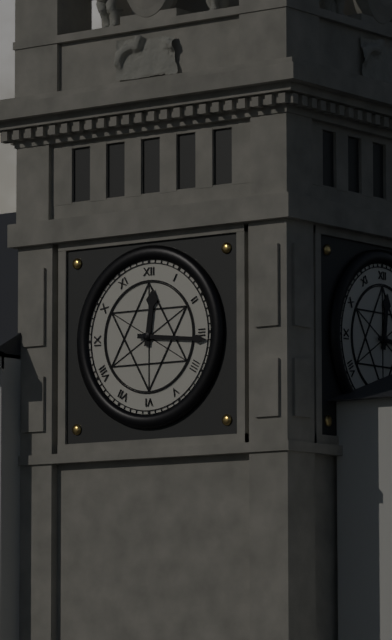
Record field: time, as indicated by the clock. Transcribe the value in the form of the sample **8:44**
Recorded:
**12:16**
